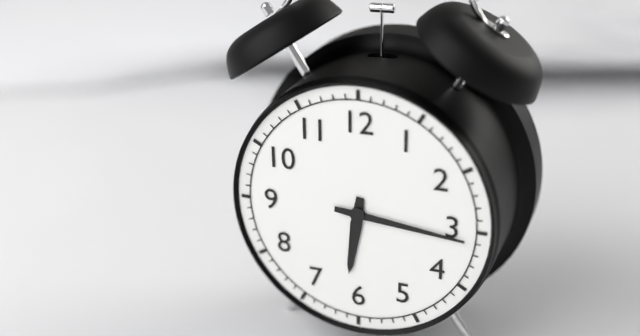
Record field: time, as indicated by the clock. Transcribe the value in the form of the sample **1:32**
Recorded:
**6:16**
